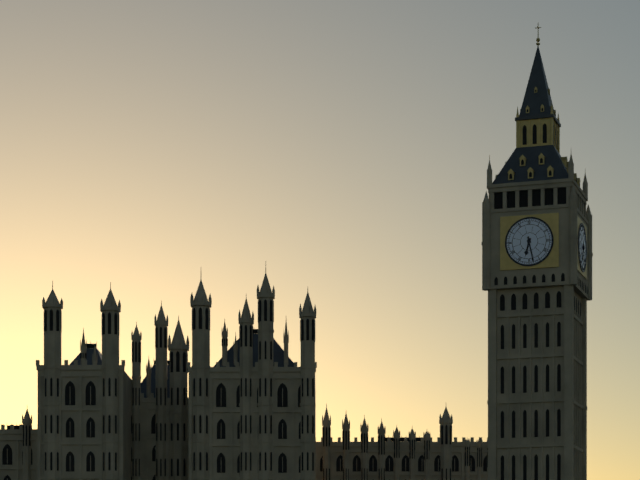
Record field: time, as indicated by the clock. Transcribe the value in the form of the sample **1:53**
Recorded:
**6:28**
